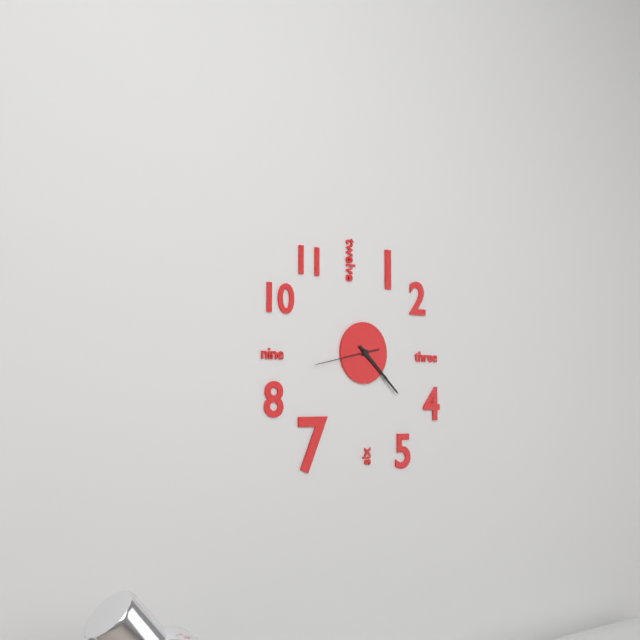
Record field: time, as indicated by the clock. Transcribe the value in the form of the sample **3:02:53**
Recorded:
**4:22:43**
